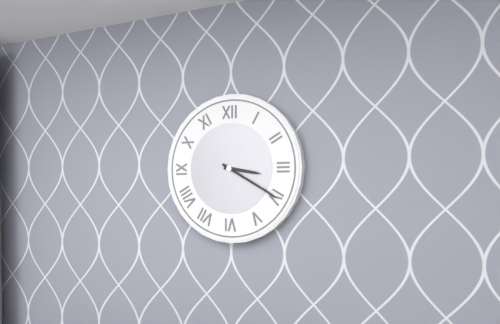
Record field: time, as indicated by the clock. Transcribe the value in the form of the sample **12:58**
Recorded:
**3:20**
